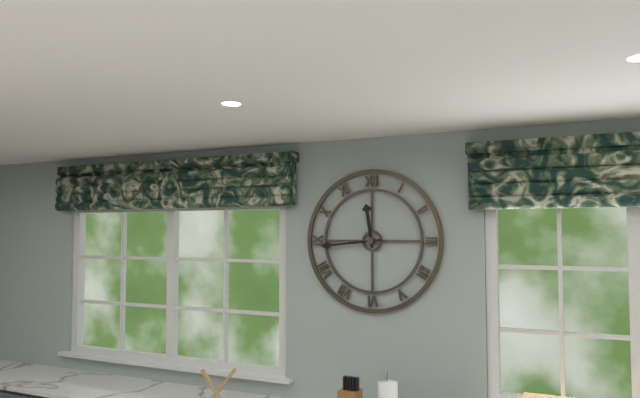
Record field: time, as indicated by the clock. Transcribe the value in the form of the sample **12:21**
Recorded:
**11:44**
